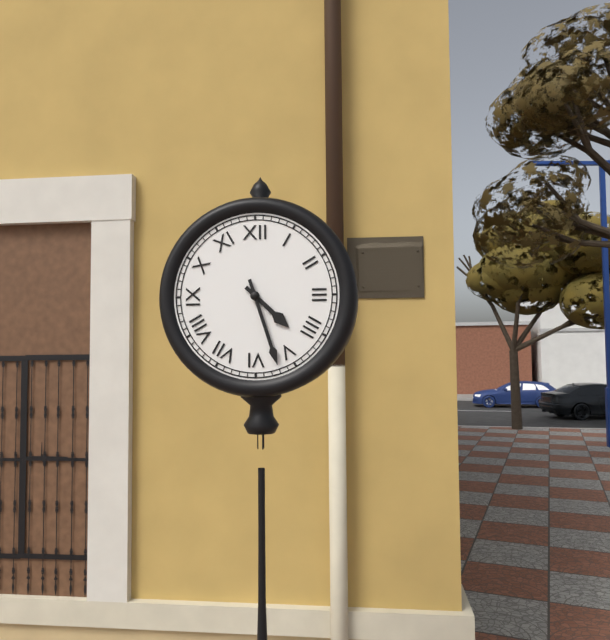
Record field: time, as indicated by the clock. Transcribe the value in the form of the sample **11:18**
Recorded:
**4:27**
